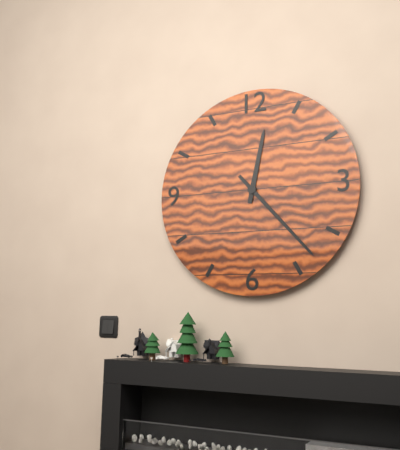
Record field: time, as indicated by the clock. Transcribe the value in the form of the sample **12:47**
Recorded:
**12:23**
